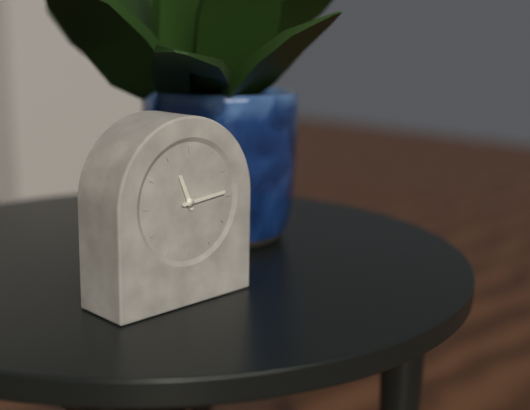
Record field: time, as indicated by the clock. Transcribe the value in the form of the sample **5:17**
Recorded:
**11:14**
